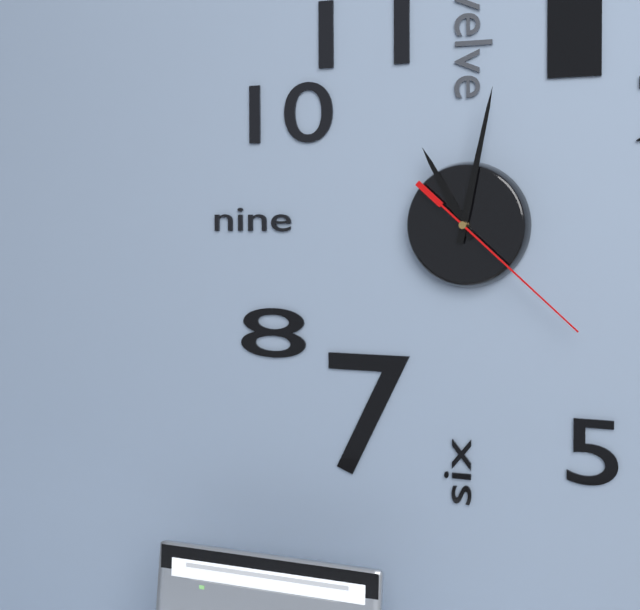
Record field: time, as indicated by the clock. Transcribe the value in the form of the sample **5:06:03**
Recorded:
**11:02:22**
